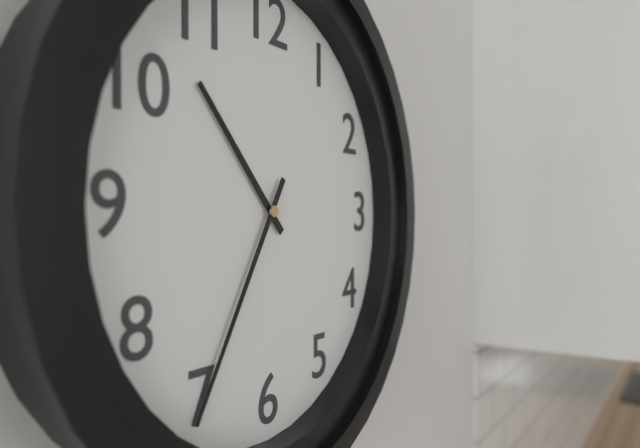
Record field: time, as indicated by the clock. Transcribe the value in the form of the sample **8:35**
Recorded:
**10:35**
